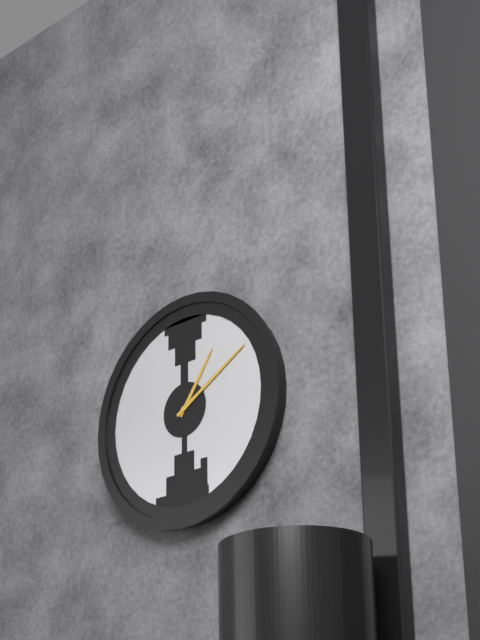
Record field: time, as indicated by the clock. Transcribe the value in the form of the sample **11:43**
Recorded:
**1:10**
